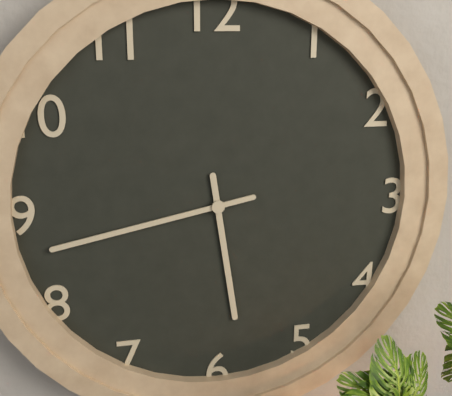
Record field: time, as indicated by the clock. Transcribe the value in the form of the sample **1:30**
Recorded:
**5:43**
